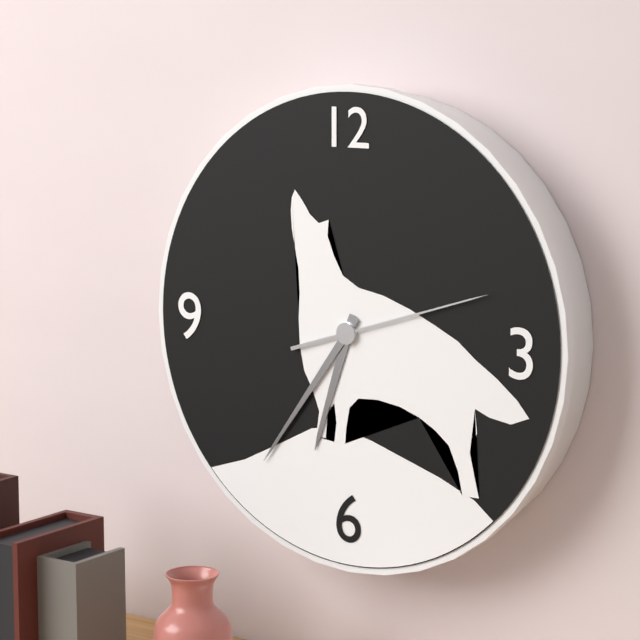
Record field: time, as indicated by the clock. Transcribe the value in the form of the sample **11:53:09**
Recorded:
**6:36:12**
